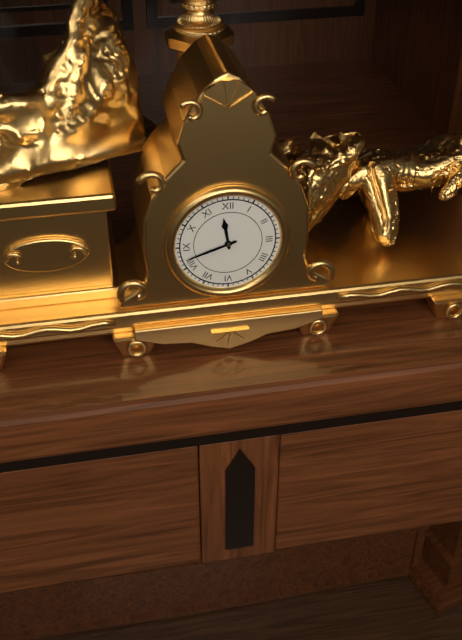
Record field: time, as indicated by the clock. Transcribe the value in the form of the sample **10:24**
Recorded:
**11:42**
